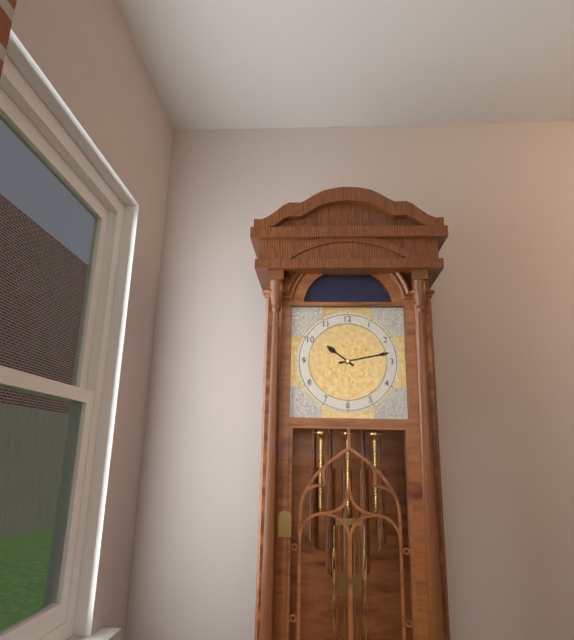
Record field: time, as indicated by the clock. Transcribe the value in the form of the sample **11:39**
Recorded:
**10:13**
